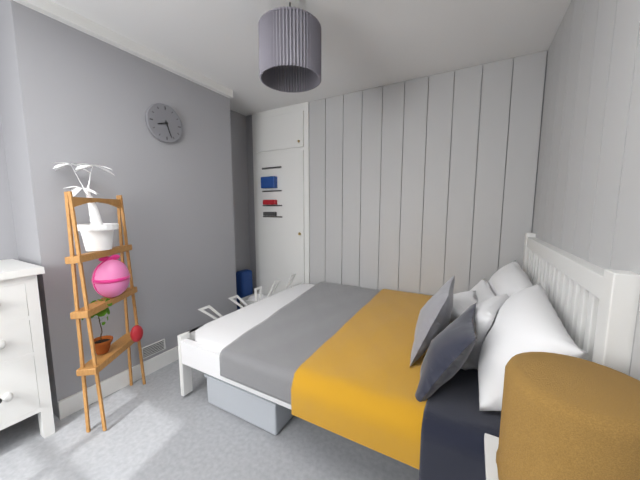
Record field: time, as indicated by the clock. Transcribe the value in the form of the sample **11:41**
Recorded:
**8:27**
